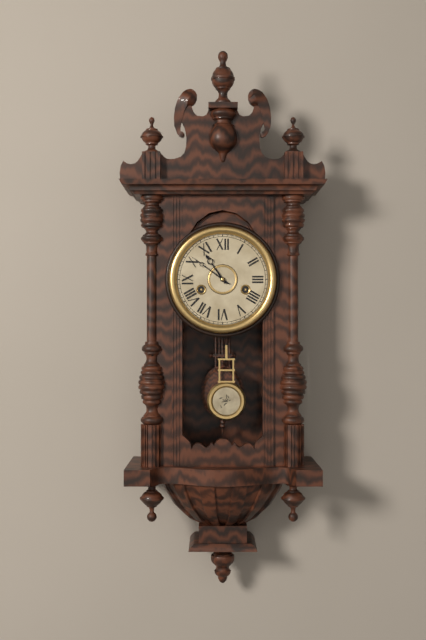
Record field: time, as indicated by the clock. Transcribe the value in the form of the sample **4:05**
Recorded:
**10:51**
